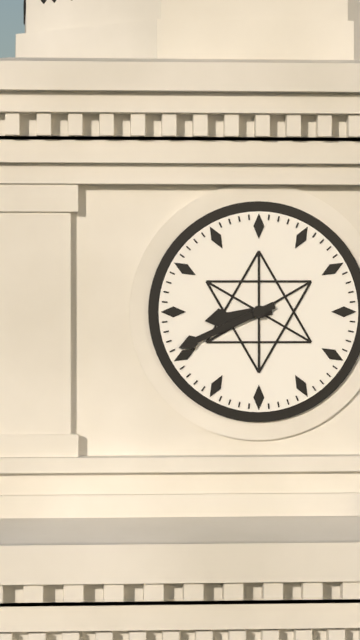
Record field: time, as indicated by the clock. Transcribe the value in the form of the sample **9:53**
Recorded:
**8:41**
